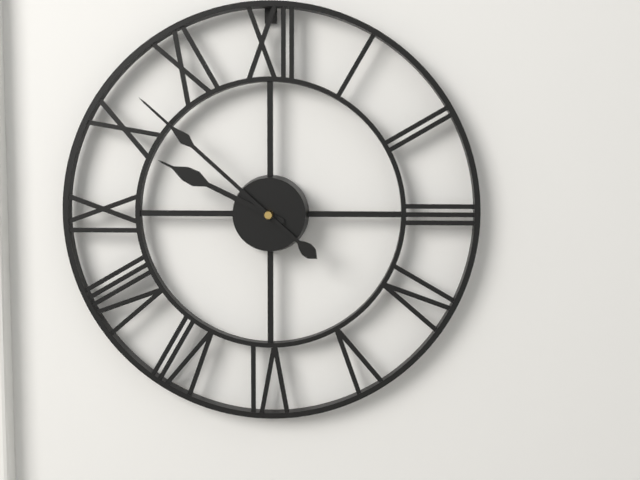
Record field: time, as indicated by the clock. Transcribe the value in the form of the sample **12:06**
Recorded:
**9:52**
